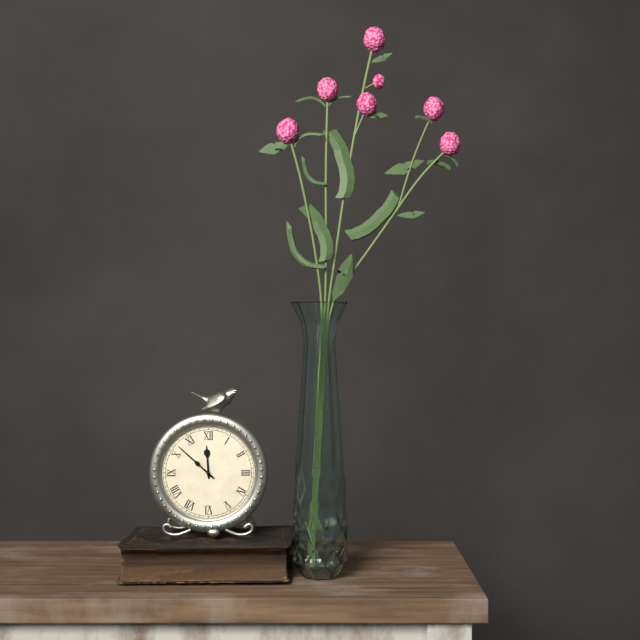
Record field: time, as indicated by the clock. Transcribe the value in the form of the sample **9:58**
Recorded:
**11:52**
